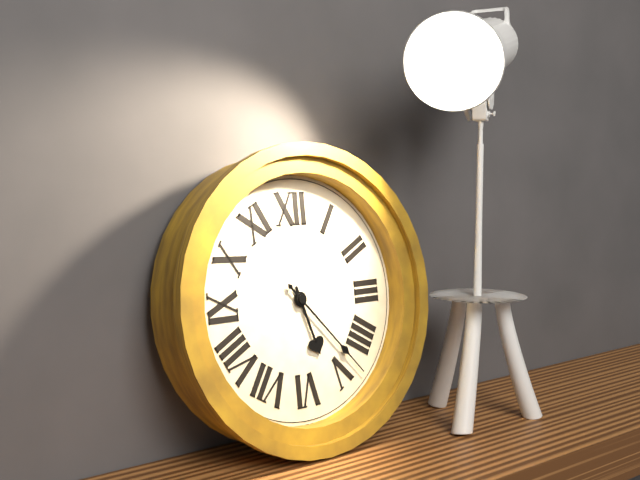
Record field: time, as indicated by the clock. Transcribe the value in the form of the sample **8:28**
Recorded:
**5:23**
